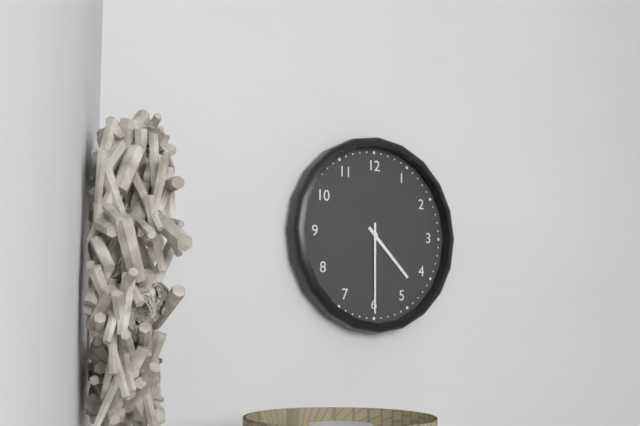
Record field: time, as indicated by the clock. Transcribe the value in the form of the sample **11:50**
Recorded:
**4:30**
